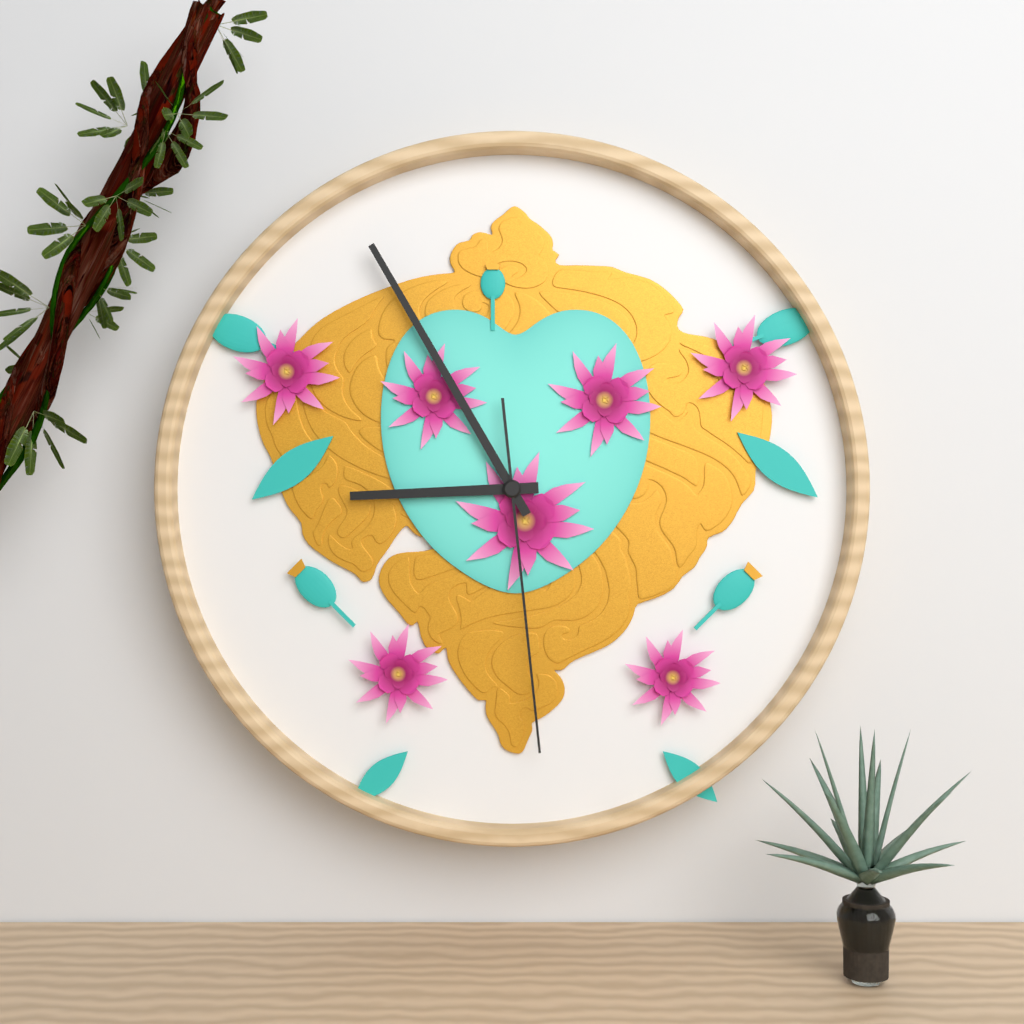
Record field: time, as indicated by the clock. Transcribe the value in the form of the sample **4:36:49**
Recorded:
**8:55:29**
